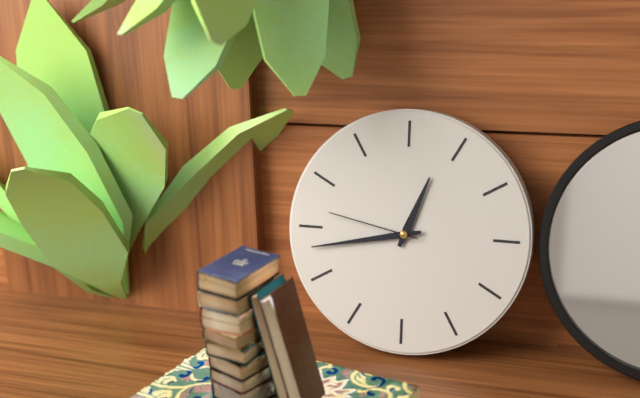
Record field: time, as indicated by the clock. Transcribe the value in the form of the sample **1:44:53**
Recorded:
**12:43:47**
